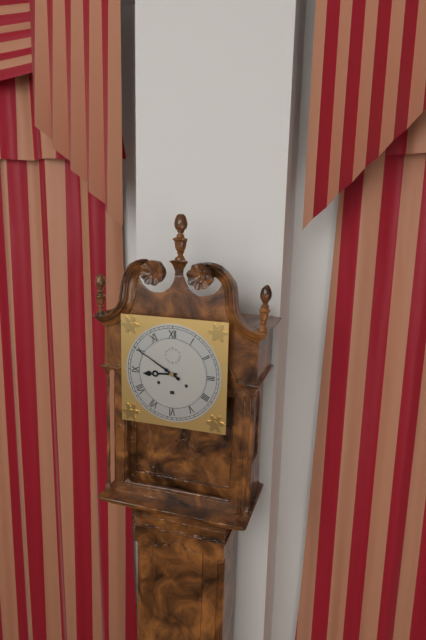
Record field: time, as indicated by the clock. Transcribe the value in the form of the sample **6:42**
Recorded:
**8:50**
